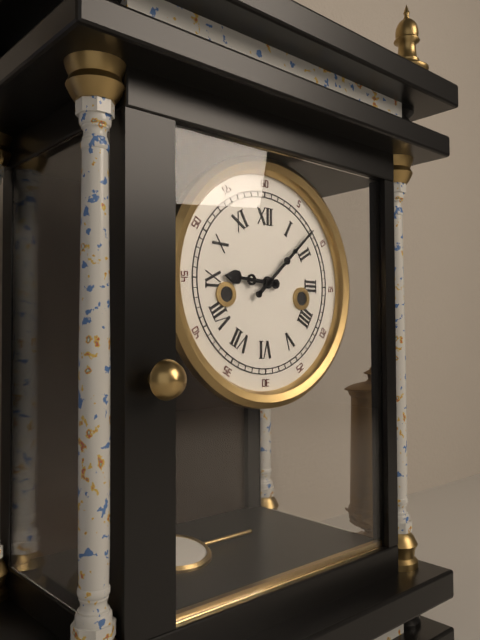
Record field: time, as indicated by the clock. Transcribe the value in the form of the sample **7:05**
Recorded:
**9:08**
